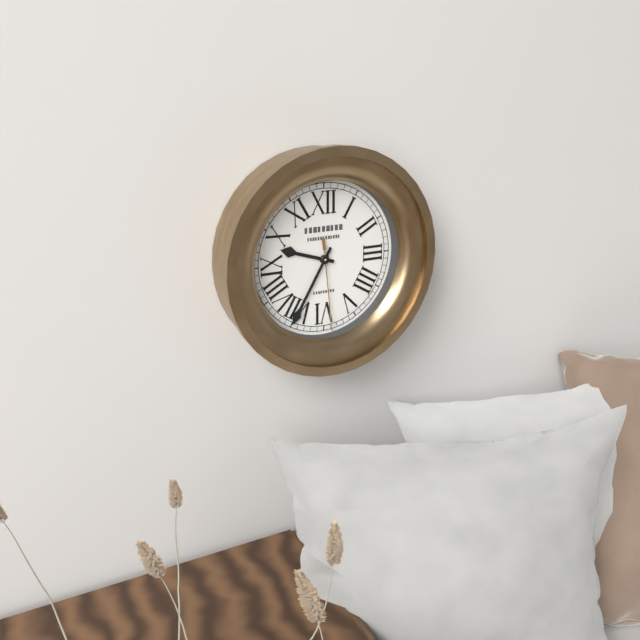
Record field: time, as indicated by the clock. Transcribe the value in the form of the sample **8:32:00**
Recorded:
**9:35:29**
